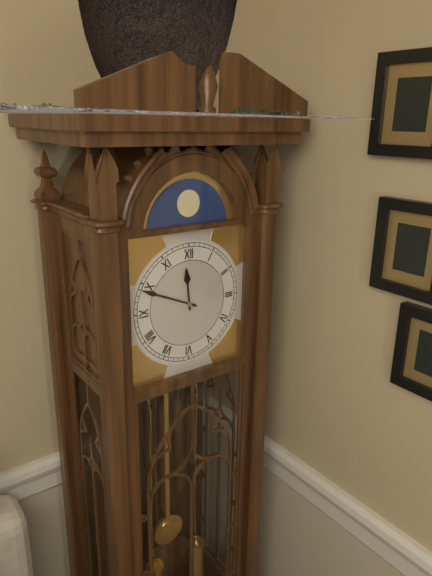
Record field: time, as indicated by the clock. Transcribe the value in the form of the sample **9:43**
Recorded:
**11:49**
